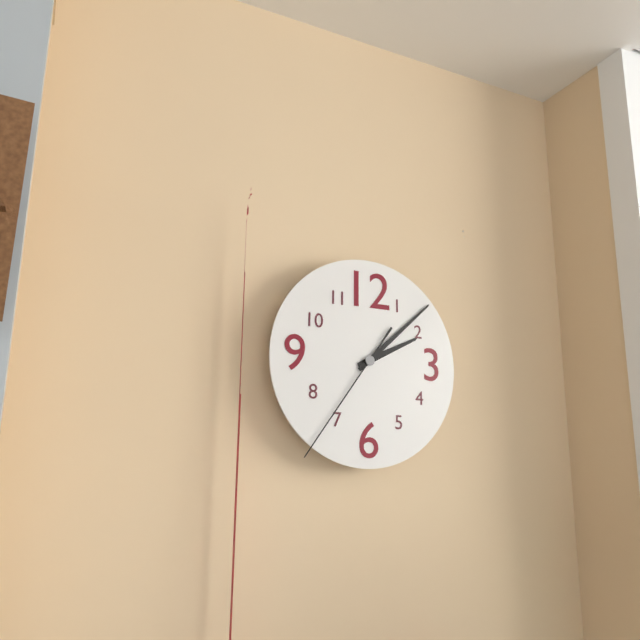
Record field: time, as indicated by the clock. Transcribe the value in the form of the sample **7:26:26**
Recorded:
**2:08:36**
